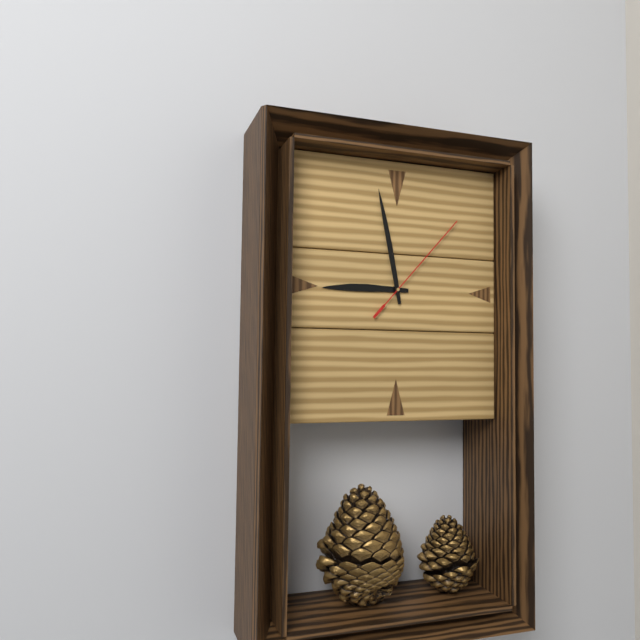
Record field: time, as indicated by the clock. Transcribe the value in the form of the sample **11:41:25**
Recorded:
**8:58:07**
